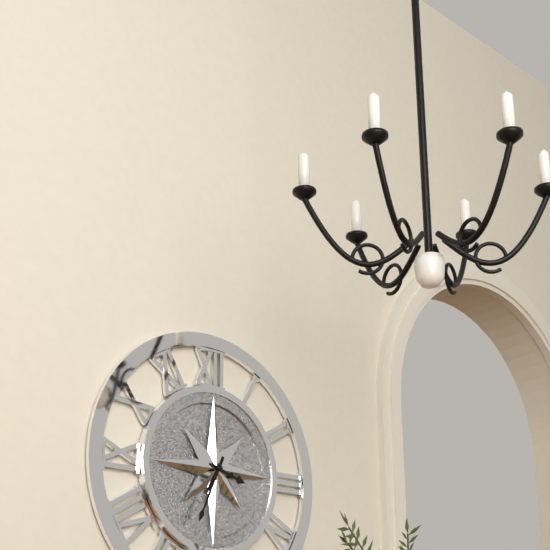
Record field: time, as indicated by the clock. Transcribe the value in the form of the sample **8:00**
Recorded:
**3:34**
